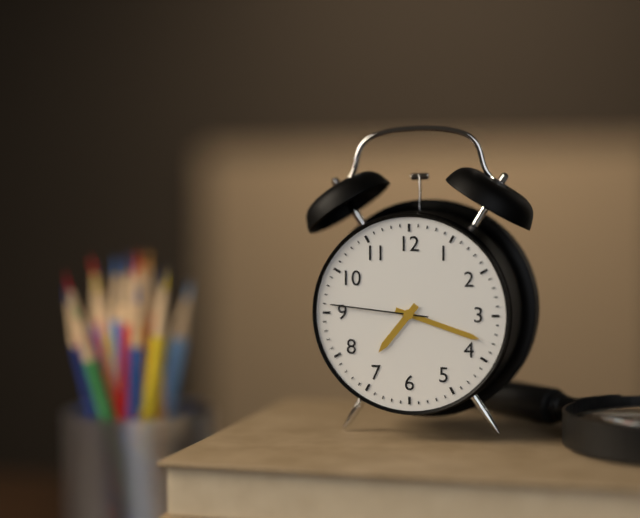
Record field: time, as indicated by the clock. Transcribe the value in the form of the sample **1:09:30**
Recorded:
**7:18:46**
